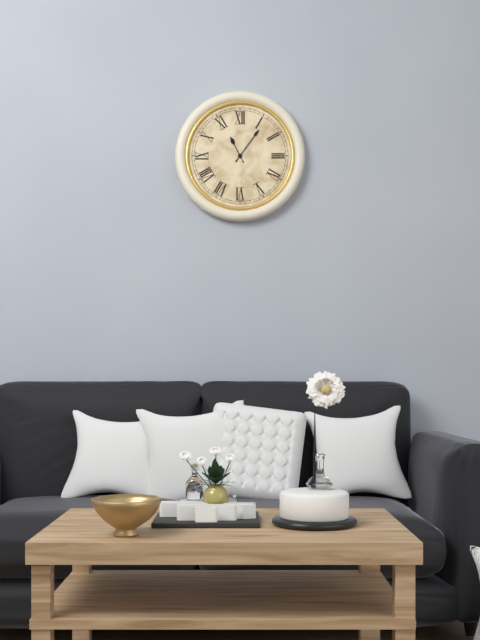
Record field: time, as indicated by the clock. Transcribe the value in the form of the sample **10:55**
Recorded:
**11:06**
